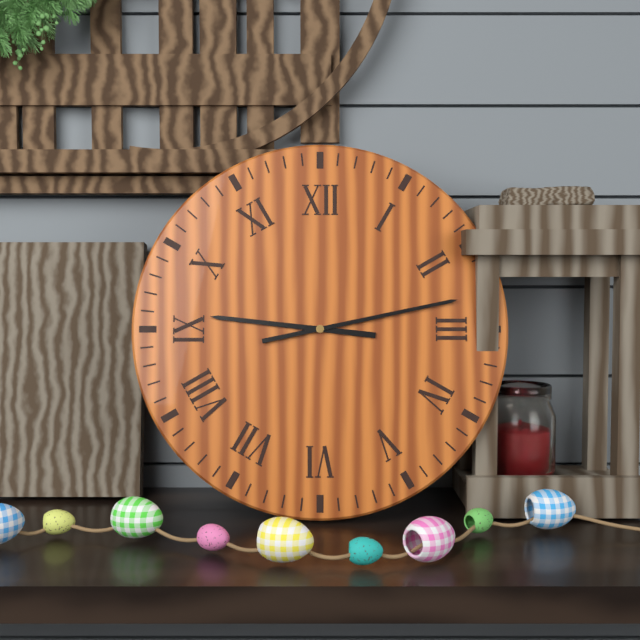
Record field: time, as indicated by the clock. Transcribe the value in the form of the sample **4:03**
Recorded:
**9:13**
